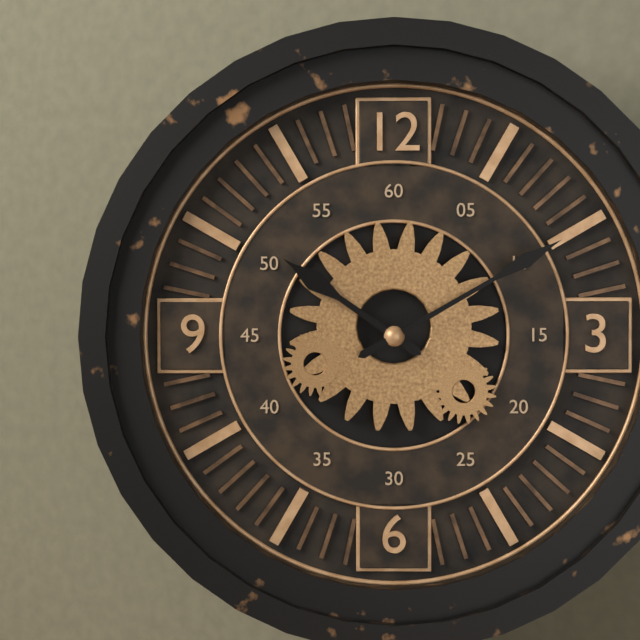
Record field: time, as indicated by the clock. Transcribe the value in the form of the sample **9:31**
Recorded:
**10:10**
